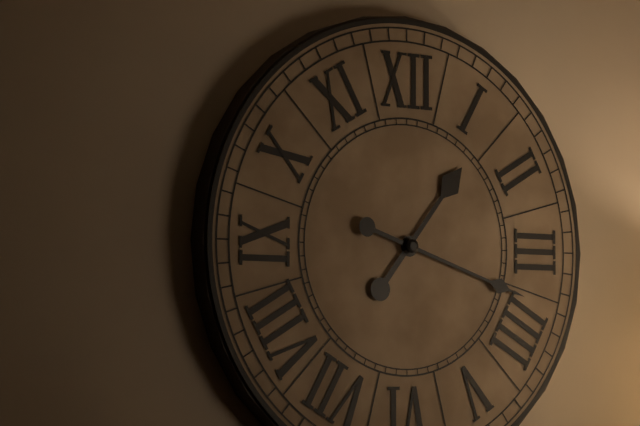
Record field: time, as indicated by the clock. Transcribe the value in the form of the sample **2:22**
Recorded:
**1:18**
